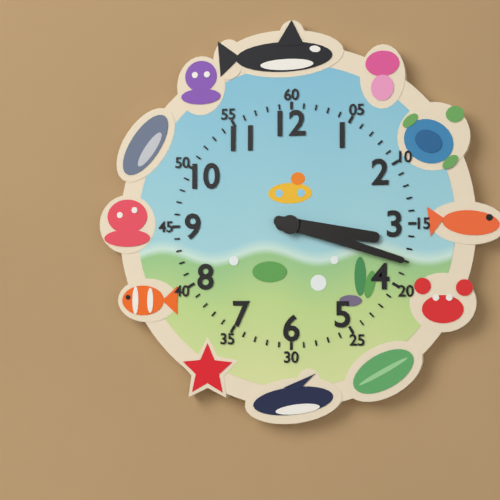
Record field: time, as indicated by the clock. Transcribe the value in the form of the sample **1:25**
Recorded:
**3:18**
